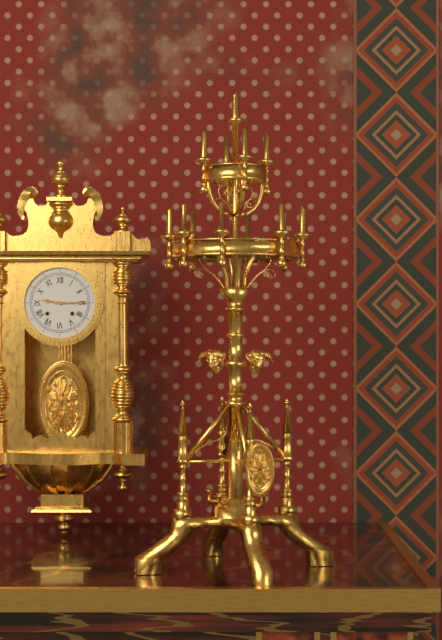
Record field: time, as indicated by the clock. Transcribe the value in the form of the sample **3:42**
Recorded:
**9:15**
